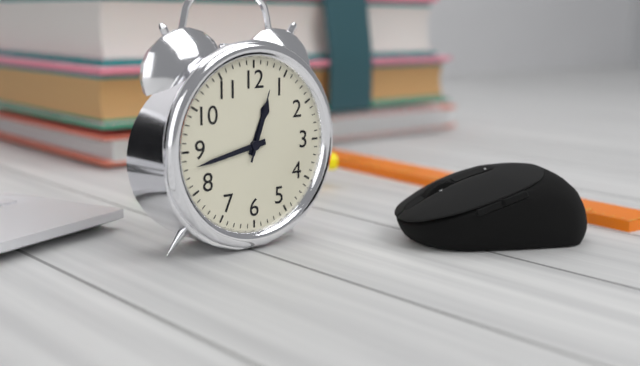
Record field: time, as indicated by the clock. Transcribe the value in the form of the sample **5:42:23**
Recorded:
**12:43:03**
